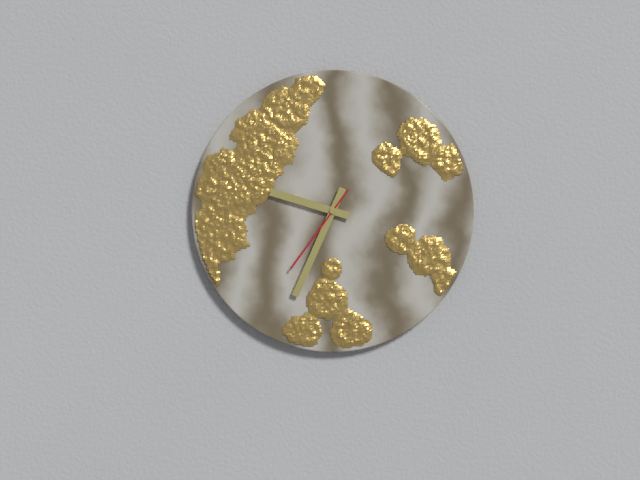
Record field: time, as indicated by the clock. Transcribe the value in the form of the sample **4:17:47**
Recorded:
**9:34:36**
